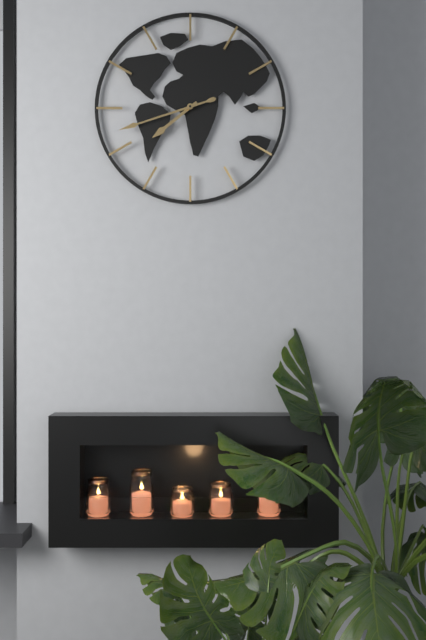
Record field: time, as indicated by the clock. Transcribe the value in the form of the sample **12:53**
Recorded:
**7:42**
